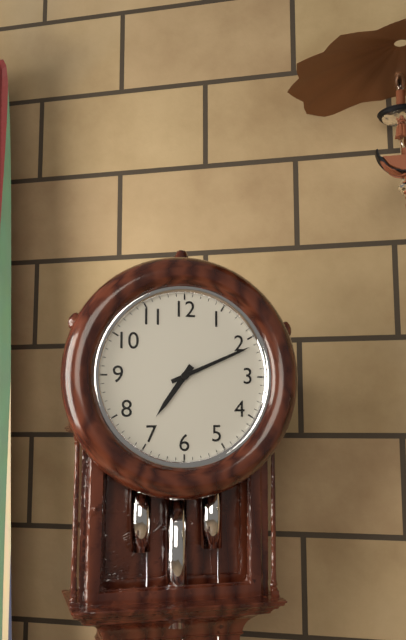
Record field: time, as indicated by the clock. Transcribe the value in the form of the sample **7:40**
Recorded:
**7:11**
